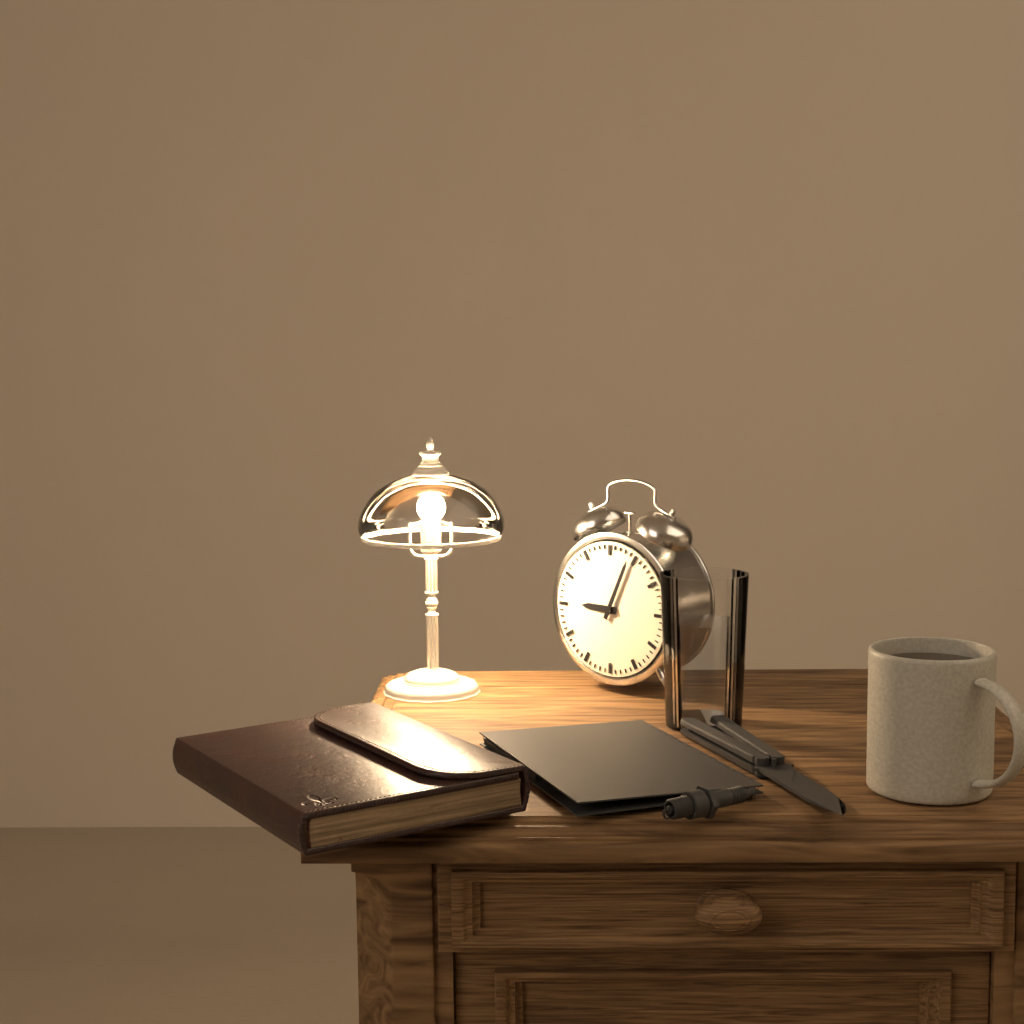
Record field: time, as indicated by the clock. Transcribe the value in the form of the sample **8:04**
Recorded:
**9:04**
